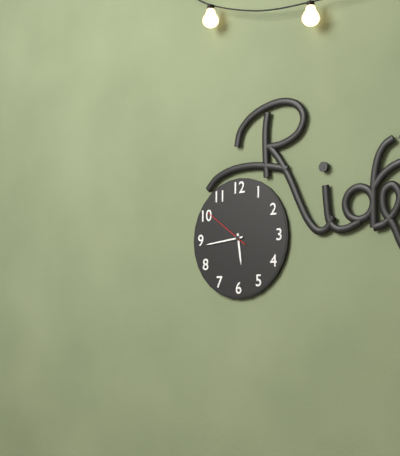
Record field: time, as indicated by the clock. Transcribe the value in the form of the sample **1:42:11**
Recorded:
**5:44:51**
